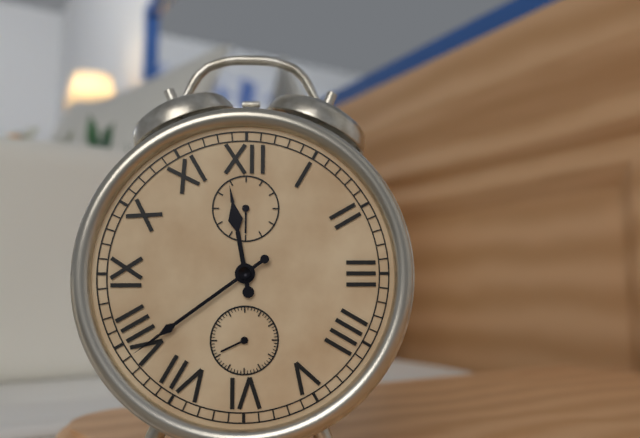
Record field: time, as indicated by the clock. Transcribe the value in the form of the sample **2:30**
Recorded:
**11:39**
